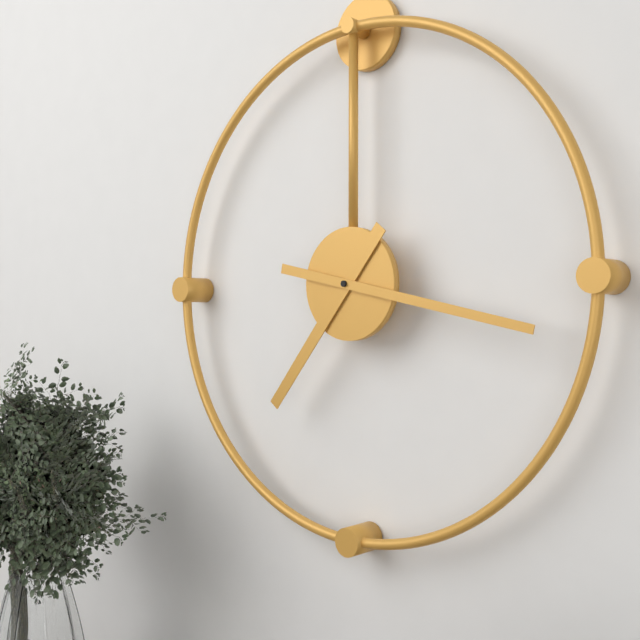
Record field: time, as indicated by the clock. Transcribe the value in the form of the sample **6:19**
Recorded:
**7:17**
